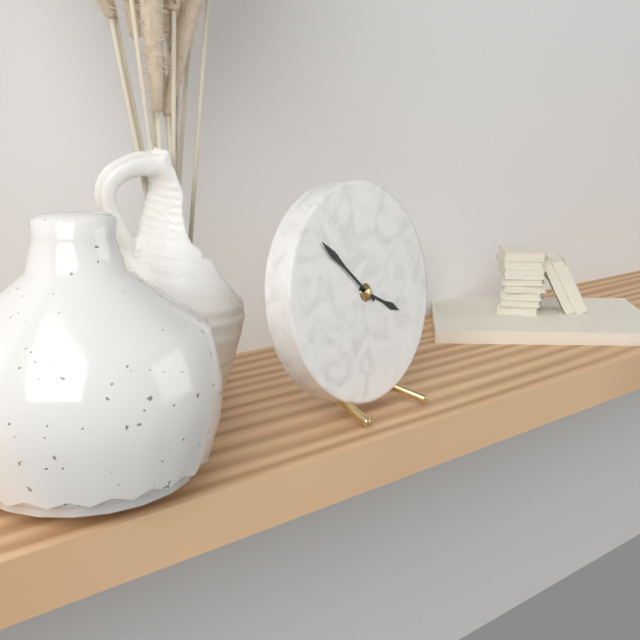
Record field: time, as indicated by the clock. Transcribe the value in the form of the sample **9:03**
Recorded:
**3:52**
